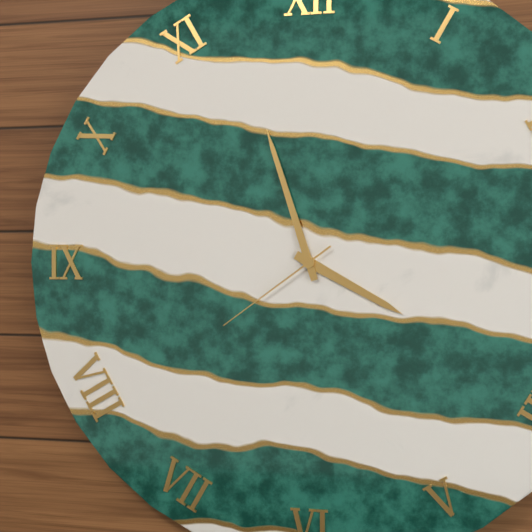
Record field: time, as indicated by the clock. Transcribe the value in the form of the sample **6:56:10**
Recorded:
**3:57:39**
